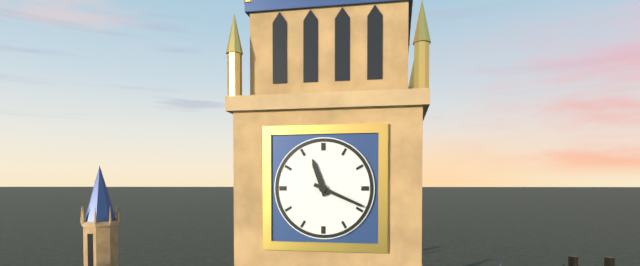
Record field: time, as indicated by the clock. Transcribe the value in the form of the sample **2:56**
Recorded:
**11:19**
